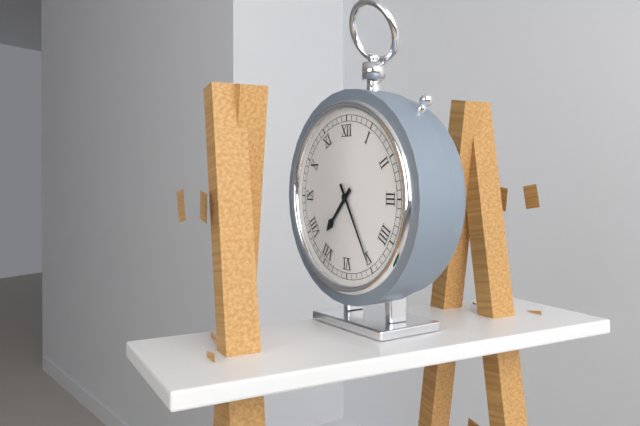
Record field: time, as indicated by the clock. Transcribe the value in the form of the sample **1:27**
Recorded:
**7:25**
